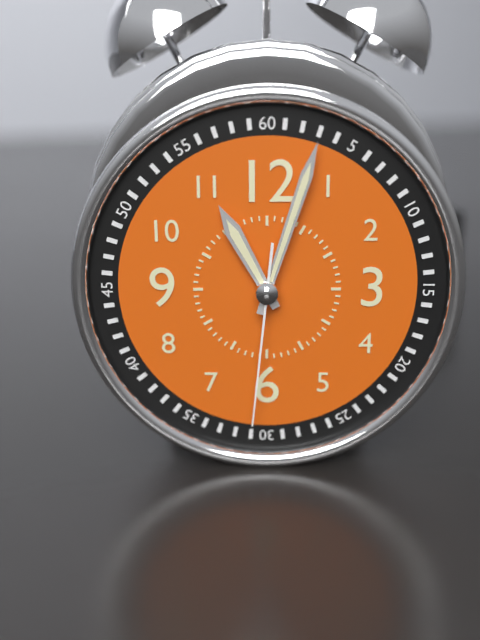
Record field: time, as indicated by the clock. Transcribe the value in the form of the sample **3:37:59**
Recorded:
**11:03:31**
